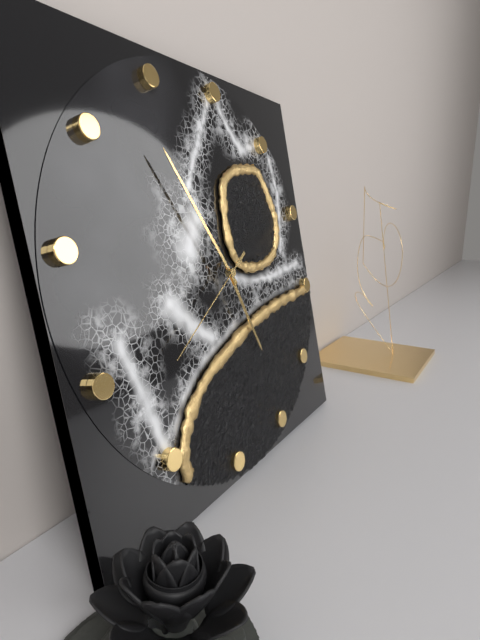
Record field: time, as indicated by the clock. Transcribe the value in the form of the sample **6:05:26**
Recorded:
**4:53:38**
